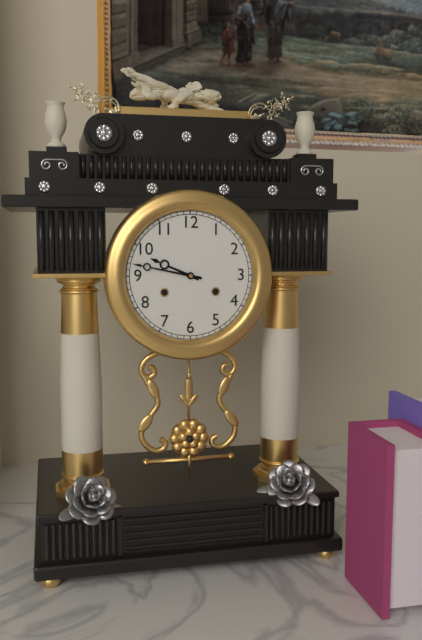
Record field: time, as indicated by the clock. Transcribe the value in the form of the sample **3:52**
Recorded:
**9:47**
